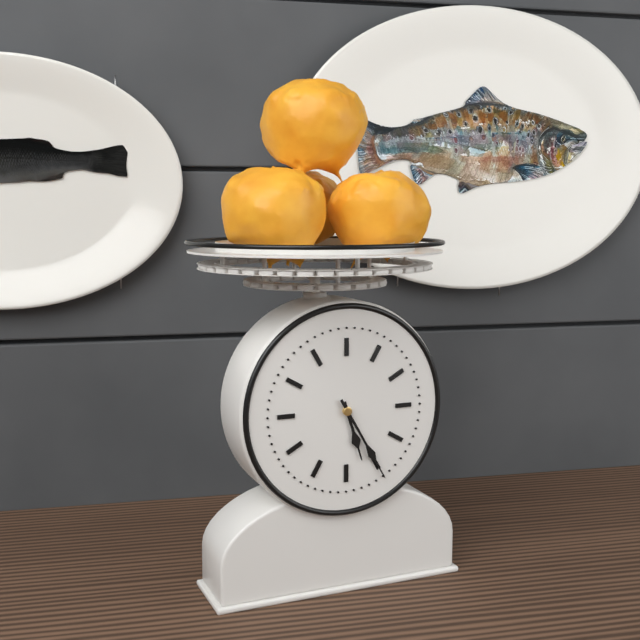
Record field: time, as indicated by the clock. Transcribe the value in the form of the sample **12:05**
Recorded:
**5:25**
